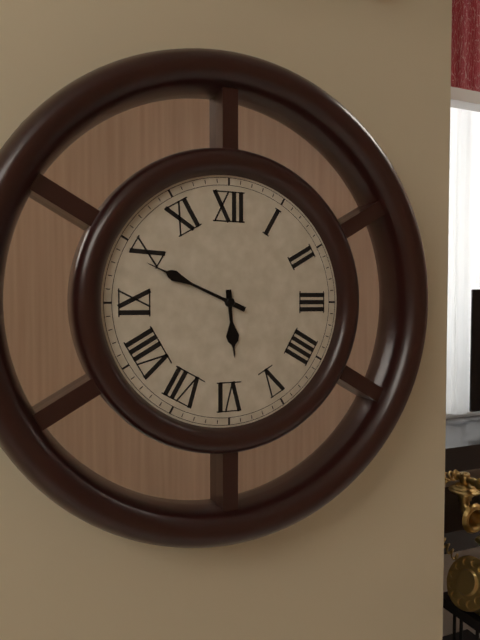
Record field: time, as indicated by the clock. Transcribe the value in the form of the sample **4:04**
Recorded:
**5:49**
